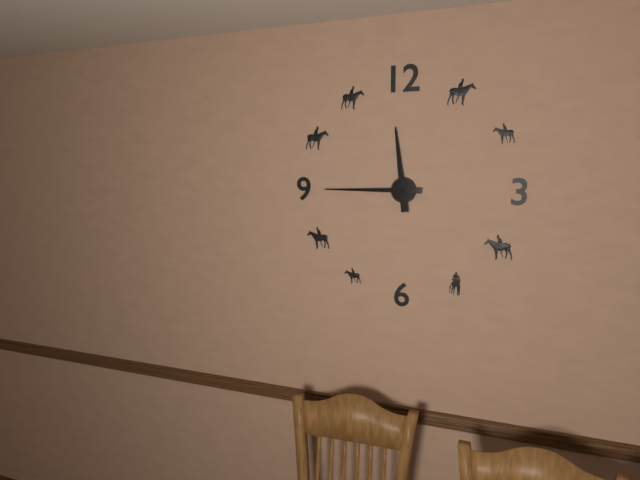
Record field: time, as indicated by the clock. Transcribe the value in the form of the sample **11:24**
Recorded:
**11:45**
